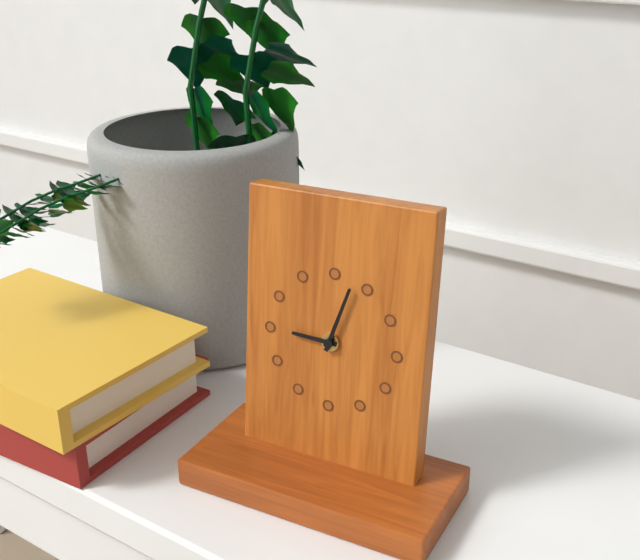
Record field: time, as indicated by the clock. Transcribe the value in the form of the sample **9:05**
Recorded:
**9:03**
